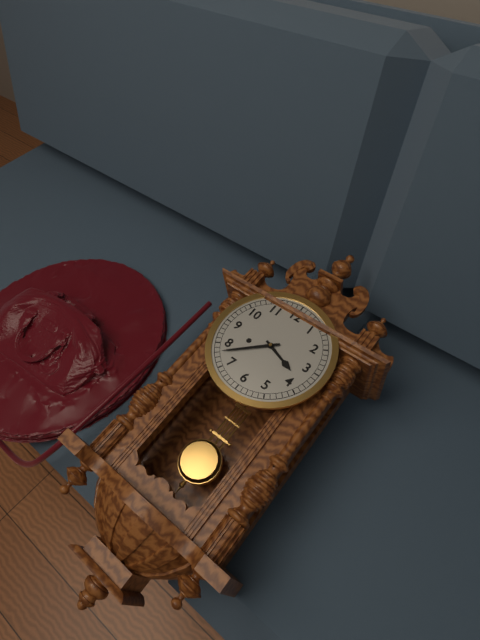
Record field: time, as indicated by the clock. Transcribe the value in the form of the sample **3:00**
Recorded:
**3:38**
